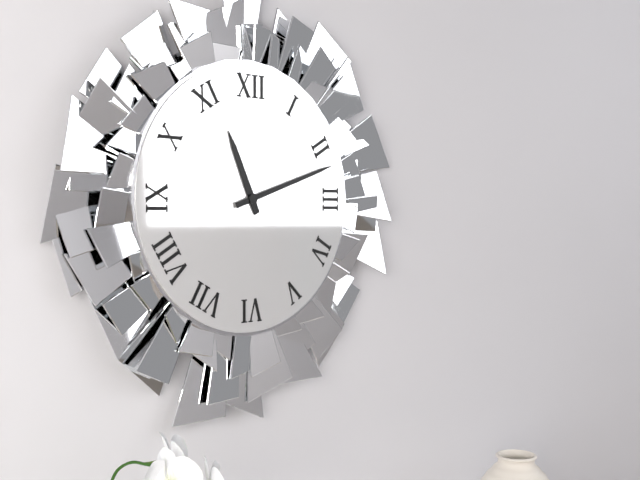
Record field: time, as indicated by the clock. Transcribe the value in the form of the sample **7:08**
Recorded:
**11:12**
